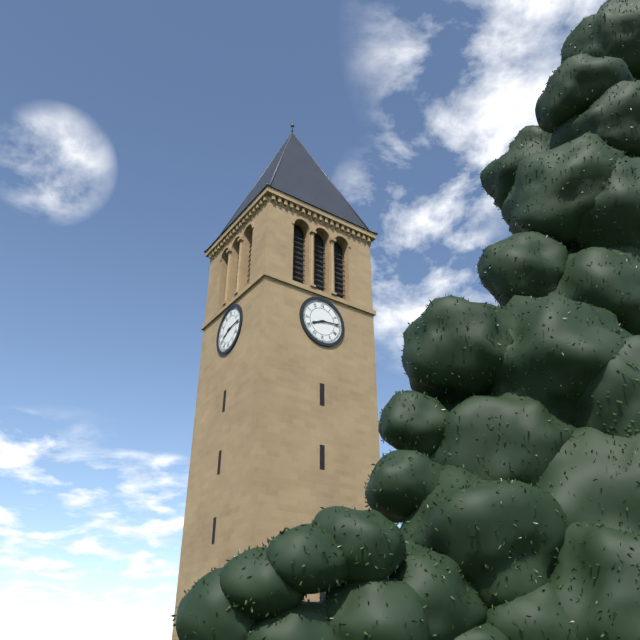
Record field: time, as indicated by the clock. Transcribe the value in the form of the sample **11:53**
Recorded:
**8:14**
